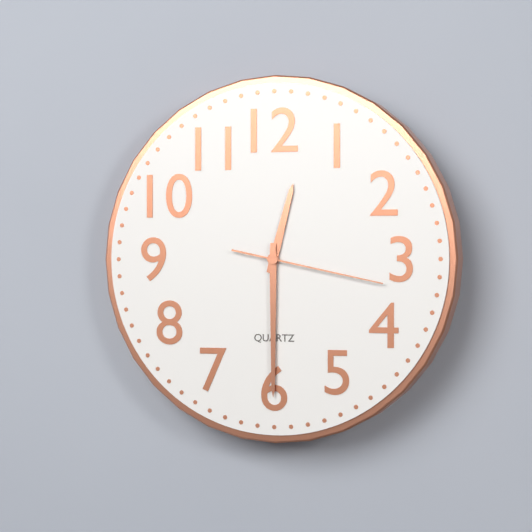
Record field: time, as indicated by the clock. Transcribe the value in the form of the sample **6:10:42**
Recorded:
**12:30:17**
